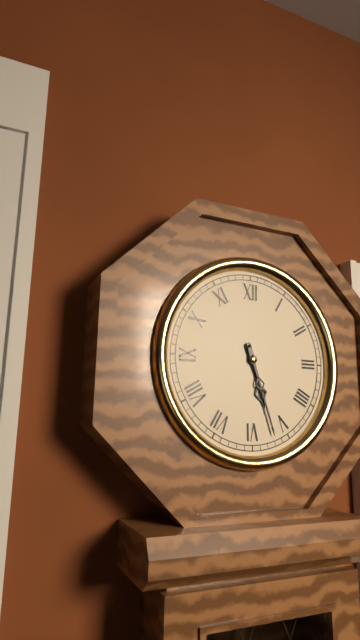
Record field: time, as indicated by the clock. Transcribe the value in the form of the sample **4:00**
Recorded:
**5:27**
